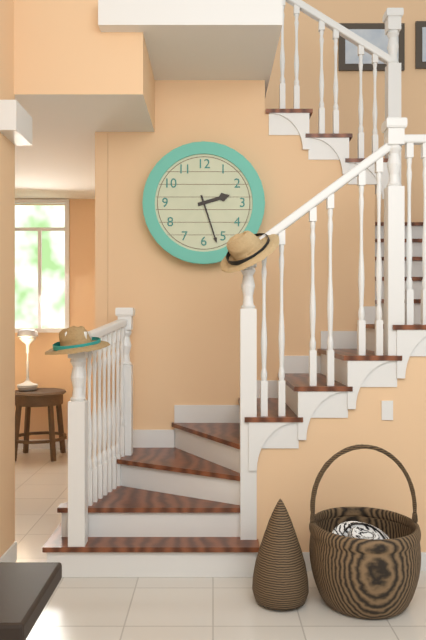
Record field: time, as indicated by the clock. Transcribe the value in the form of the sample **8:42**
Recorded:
**2:27**
